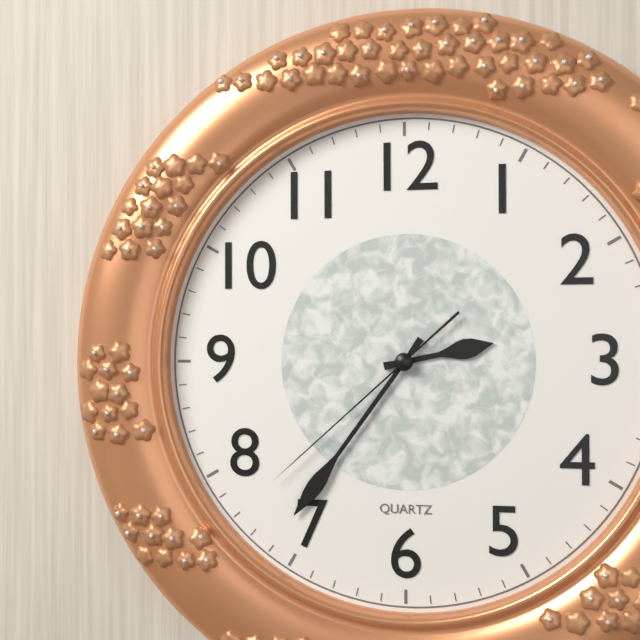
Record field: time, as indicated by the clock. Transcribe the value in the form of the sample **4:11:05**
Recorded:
**2:36:38**
